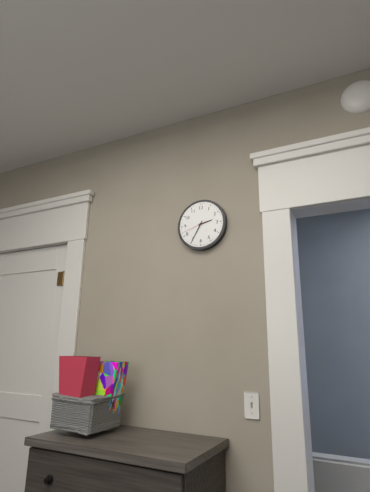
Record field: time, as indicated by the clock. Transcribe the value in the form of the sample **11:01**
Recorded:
**2:35**
